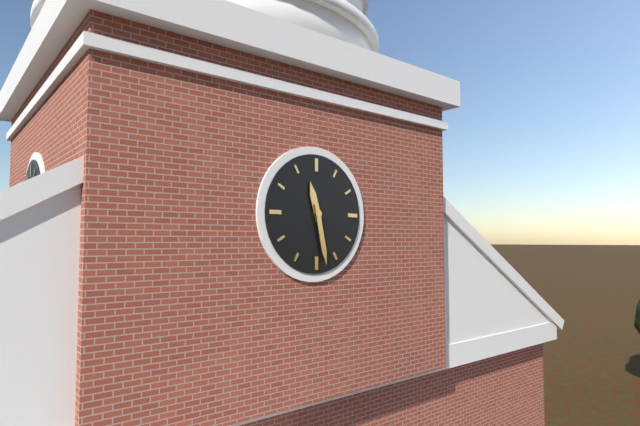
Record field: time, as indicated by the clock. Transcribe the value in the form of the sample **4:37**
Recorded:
**11:28**
